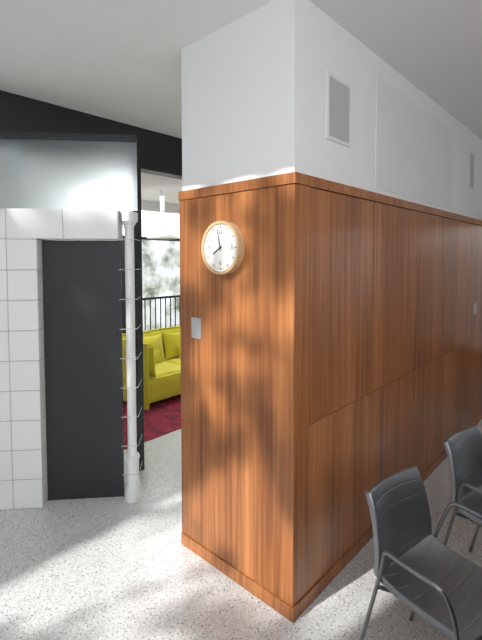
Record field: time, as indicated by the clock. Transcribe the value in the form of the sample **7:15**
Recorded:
**7:58**
